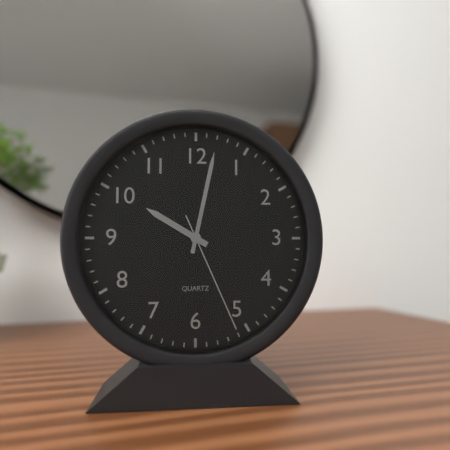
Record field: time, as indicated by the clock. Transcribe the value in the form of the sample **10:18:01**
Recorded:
**10:02:26**
